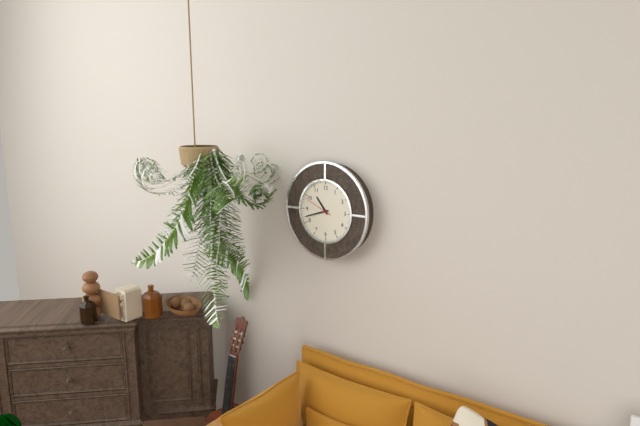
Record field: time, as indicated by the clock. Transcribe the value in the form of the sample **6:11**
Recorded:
**10:42**
